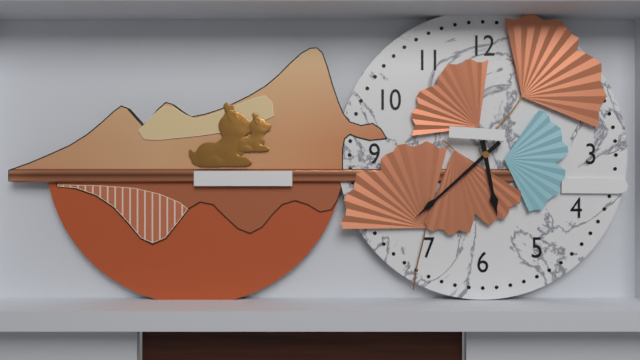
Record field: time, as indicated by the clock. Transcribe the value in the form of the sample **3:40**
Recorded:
**5:38**
